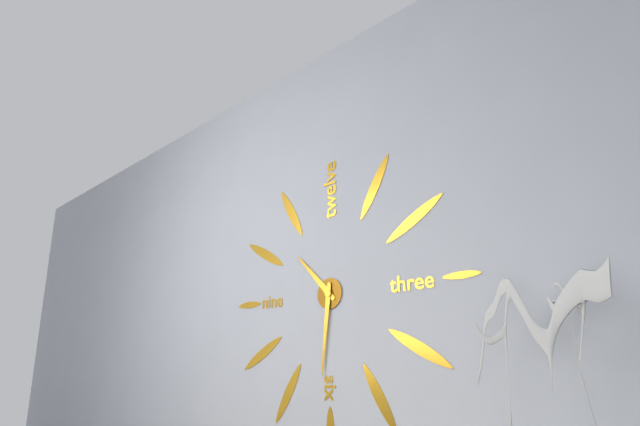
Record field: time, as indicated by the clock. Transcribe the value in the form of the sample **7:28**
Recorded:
**10:31**
